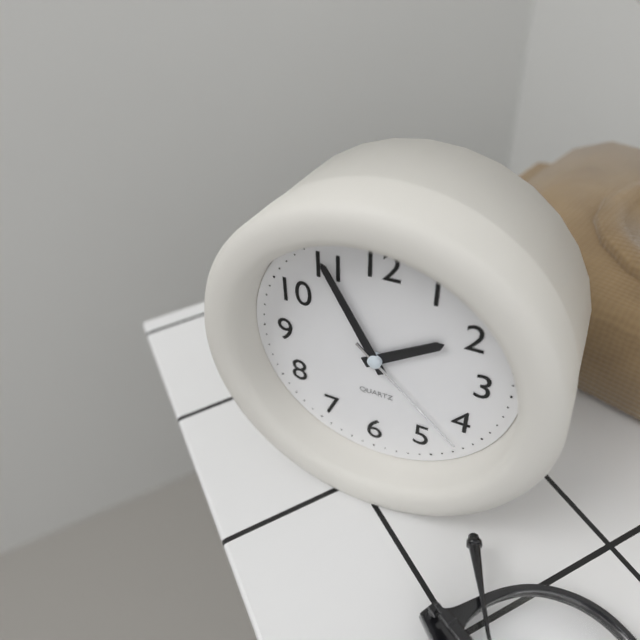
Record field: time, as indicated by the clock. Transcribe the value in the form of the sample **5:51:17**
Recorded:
**1:55:22**
